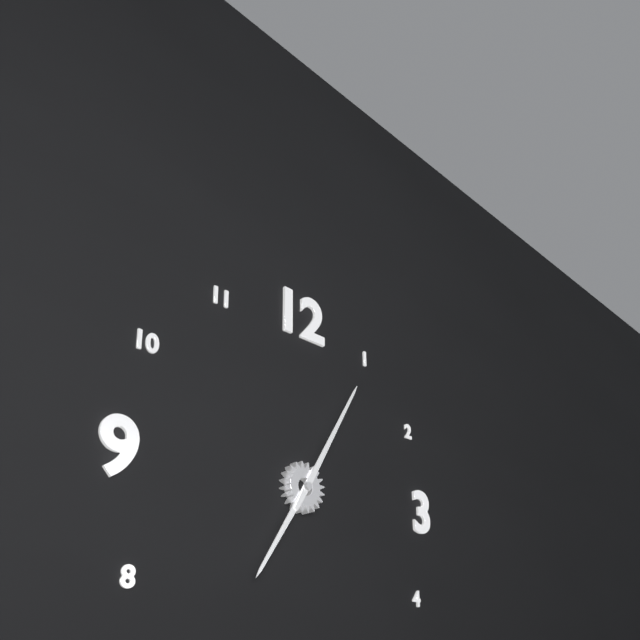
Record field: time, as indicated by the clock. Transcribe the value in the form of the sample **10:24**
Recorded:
**7:05**
